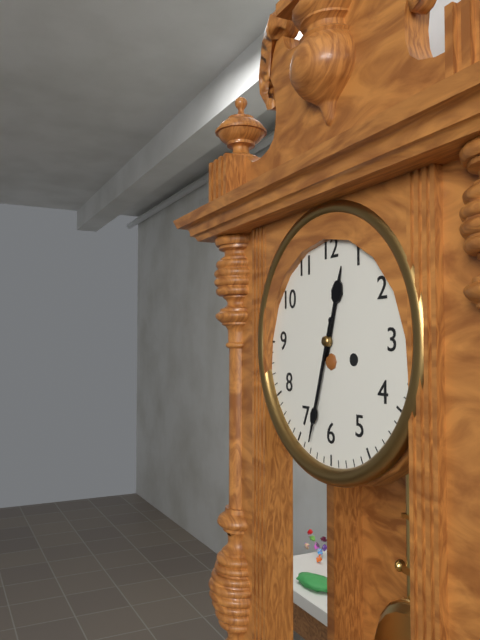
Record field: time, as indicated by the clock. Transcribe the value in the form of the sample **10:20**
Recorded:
**12:33**
